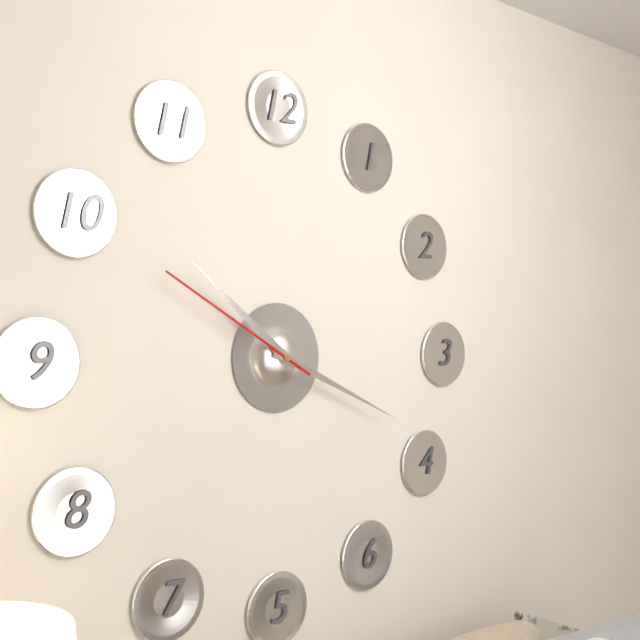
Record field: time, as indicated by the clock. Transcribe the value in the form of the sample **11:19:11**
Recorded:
**10:19:50**
